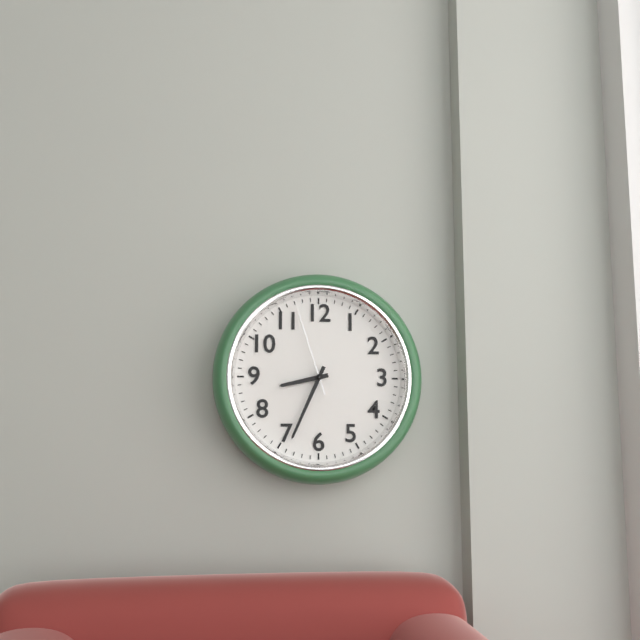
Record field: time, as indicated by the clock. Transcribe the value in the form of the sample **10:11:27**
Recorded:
**8:34:57**
